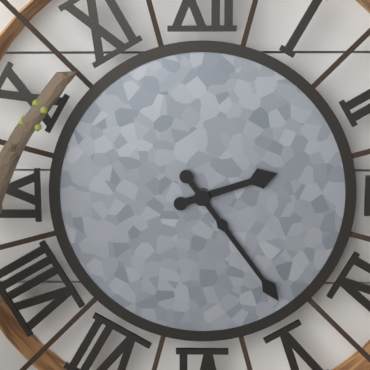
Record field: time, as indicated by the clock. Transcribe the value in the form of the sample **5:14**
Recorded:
**2:24**
